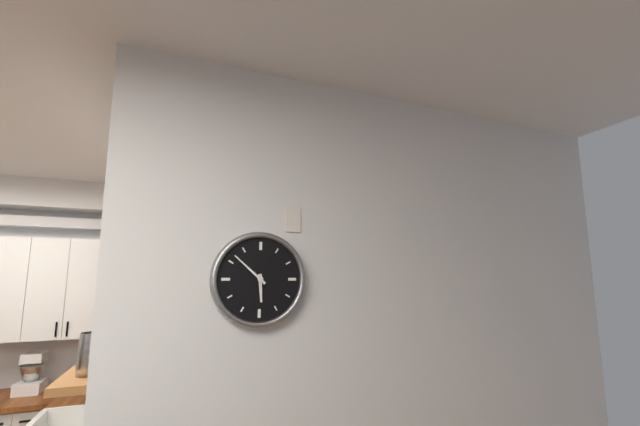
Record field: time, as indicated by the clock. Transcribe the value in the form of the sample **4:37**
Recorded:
**5:52**
